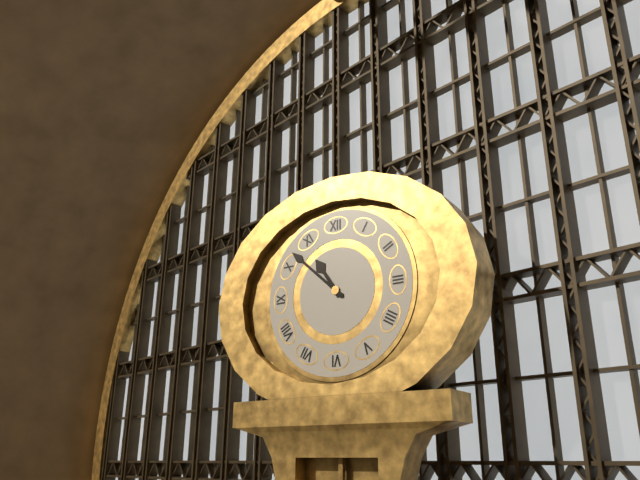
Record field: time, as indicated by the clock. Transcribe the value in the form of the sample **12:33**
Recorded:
**10:52**
